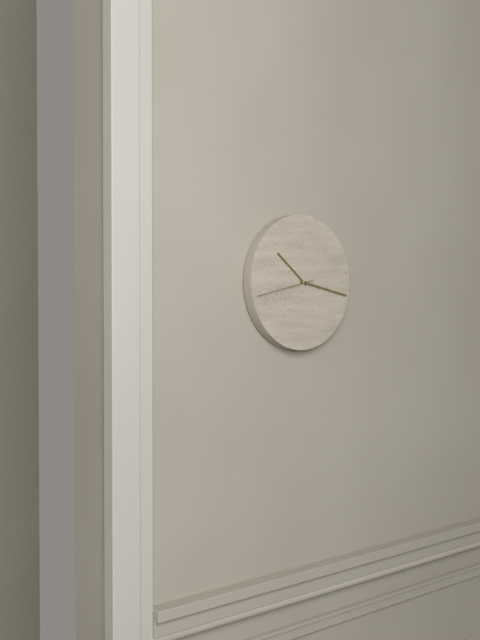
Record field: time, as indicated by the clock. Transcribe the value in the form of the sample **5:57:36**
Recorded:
**10:17:43**
